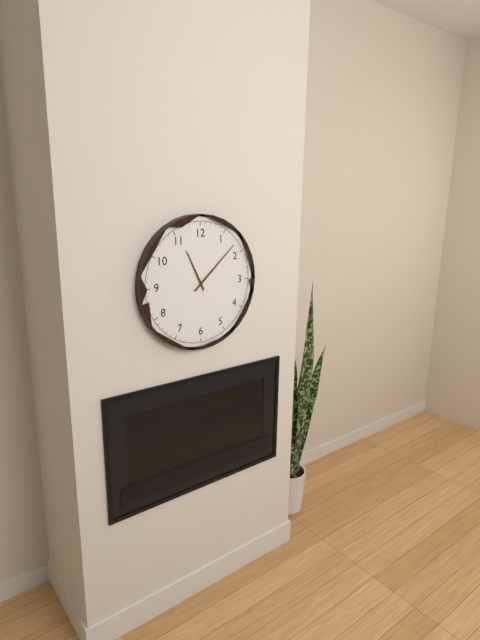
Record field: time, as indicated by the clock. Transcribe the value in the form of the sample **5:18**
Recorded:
**11:08**
